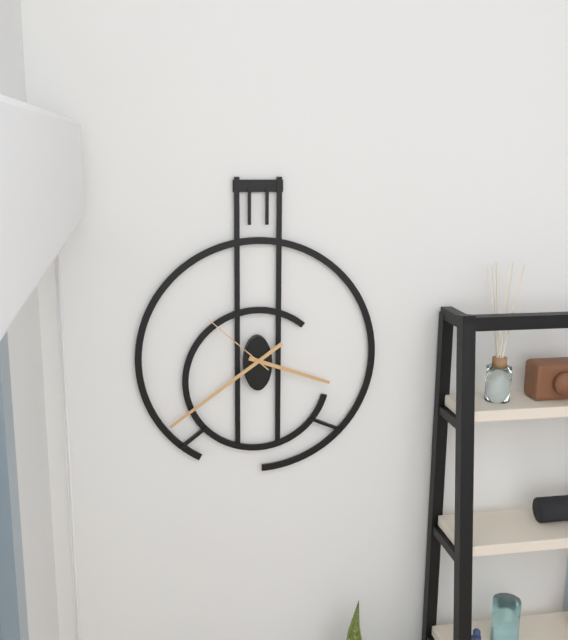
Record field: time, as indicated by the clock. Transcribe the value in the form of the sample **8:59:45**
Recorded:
**3:39:52**
